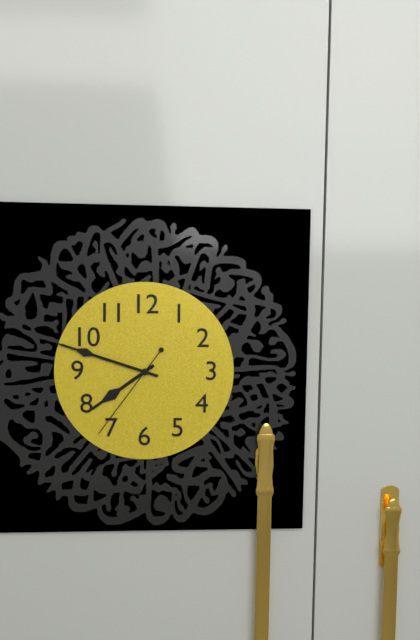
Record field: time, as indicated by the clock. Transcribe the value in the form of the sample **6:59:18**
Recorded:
**7:48:36**
